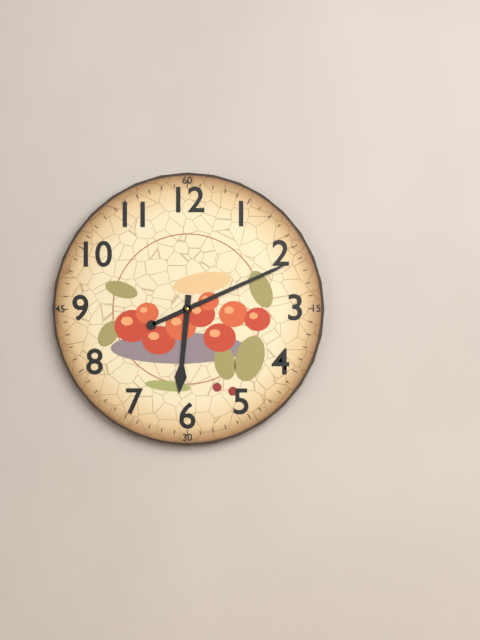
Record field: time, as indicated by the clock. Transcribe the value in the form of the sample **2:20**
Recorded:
**6:11**
